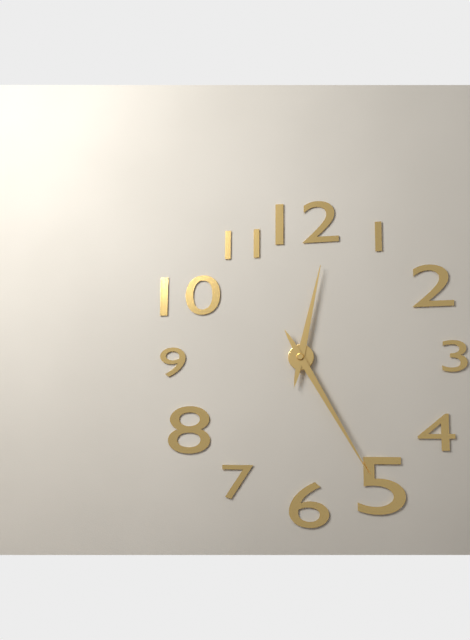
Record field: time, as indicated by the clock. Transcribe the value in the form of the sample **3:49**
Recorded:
**12:25**
